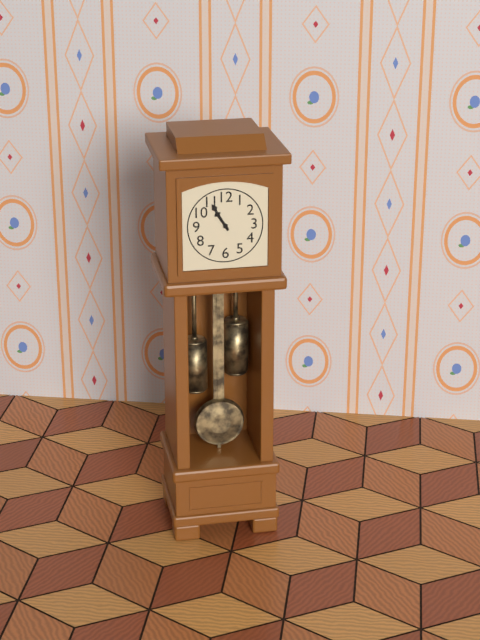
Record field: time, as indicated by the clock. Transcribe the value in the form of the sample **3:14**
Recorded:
**10:55**
